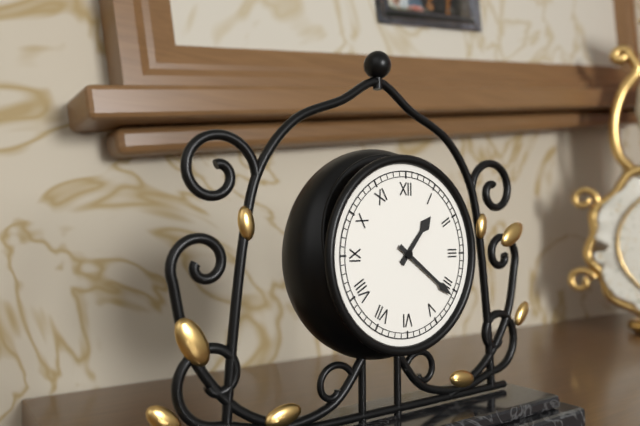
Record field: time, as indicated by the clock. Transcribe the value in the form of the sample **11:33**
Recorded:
**1:21**
